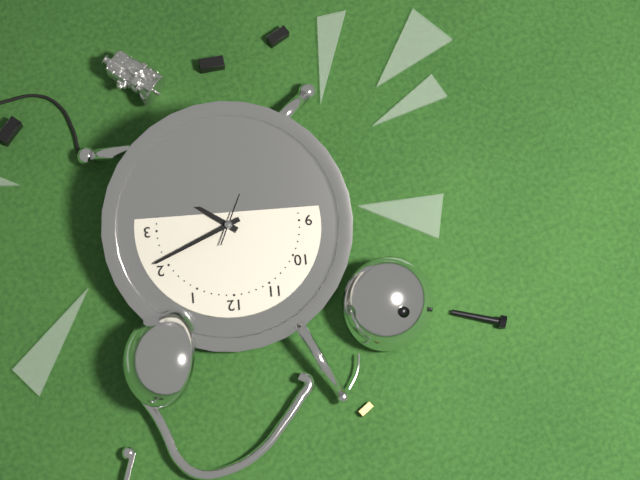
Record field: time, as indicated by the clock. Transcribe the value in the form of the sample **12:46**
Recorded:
**4:11**
